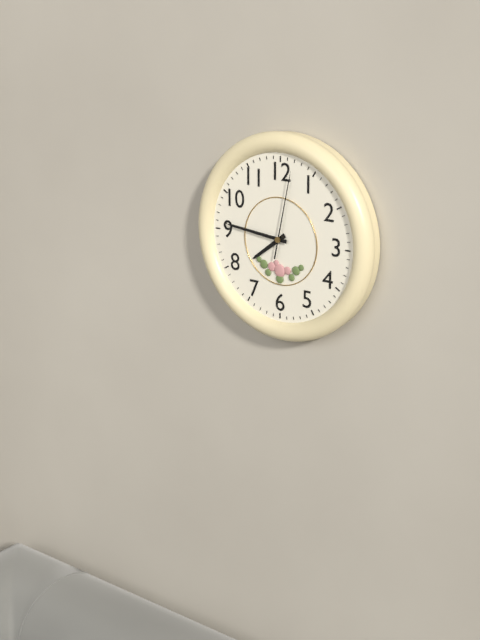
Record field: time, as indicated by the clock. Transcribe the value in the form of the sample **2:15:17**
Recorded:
**7:46:02**
